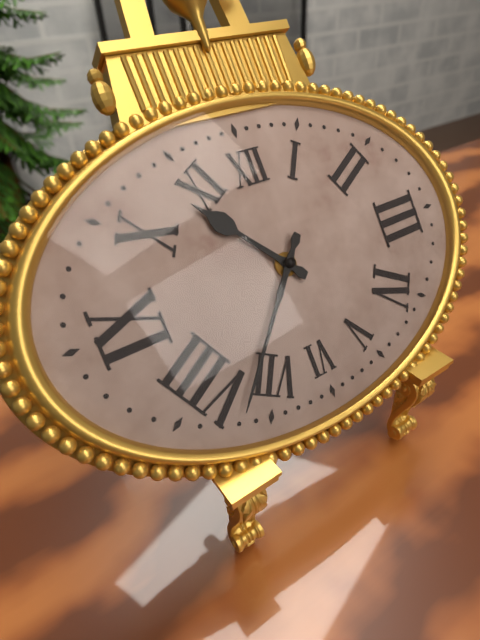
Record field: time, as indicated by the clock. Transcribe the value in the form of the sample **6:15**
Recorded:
**10:37**
